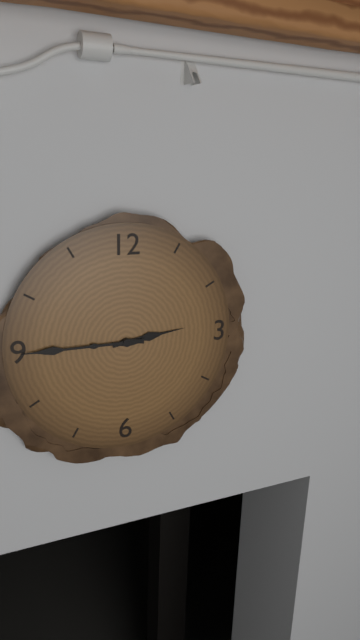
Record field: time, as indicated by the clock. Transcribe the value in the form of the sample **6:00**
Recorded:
**2:45**
